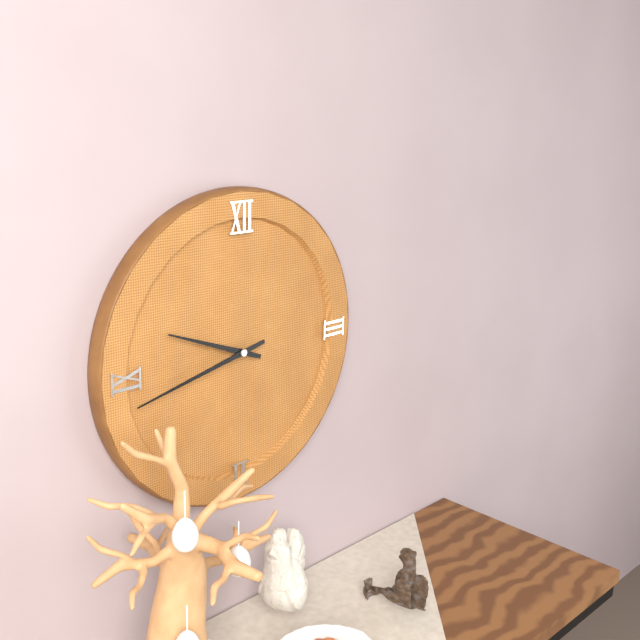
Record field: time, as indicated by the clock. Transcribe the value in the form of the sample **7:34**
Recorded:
**9:43**
